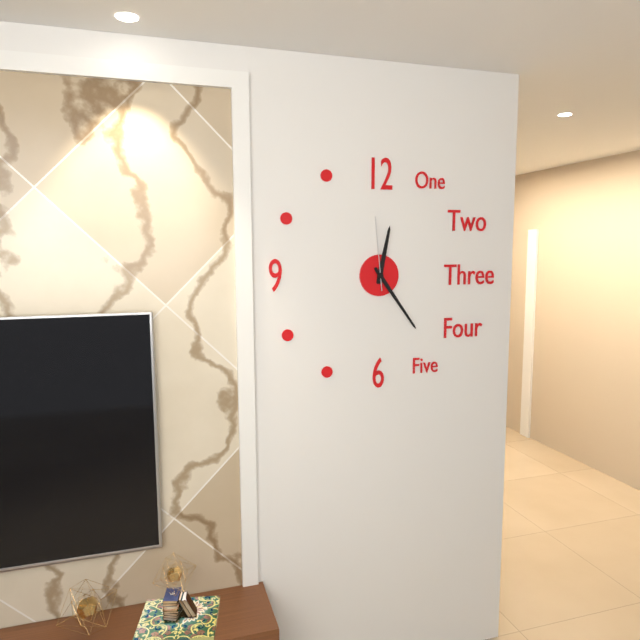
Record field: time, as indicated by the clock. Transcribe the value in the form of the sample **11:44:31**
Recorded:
**12:24:59**
